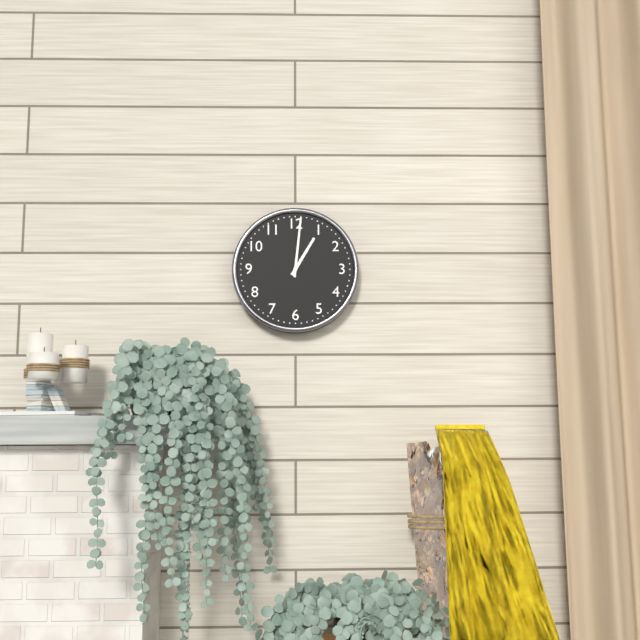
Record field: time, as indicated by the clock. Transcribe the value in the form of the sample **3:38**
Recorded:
**1:01**
